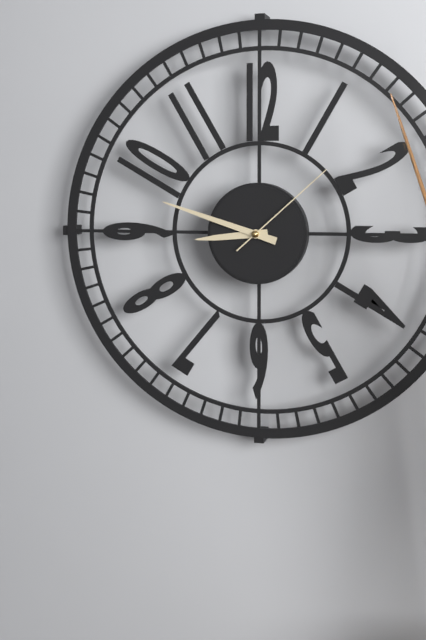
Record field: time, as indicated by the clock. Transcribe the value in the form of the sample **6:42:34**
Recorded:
**8:48:08**
